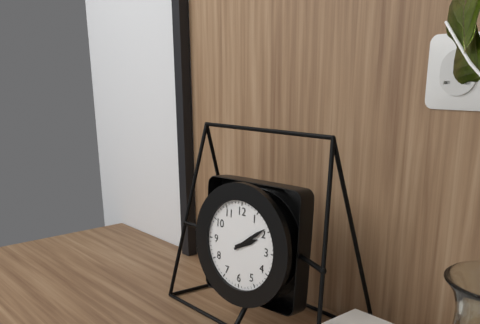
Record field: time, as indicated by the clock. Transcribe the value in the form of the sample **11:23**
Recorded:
**2:09**
